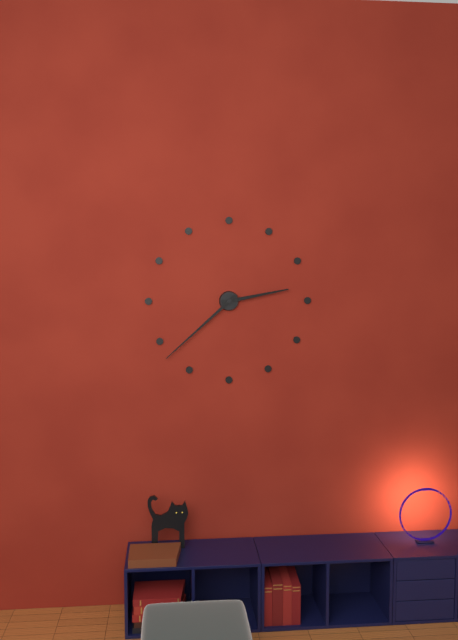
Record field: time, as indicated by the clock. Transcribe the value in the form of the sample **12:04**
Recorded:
**2:38**
